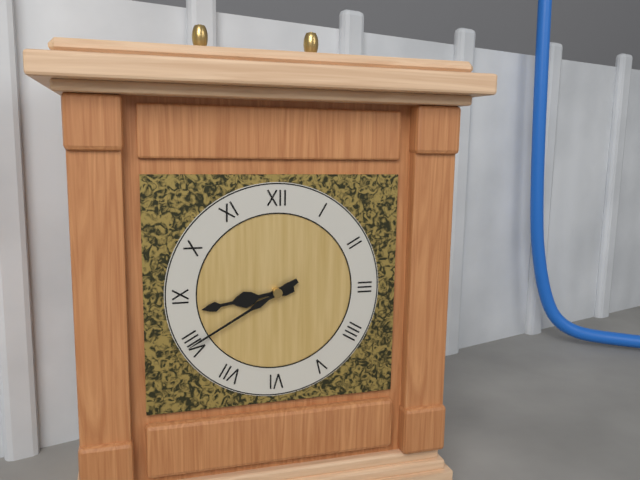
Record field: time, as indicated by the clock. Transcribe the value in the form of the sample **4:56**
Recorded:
**8:40**
